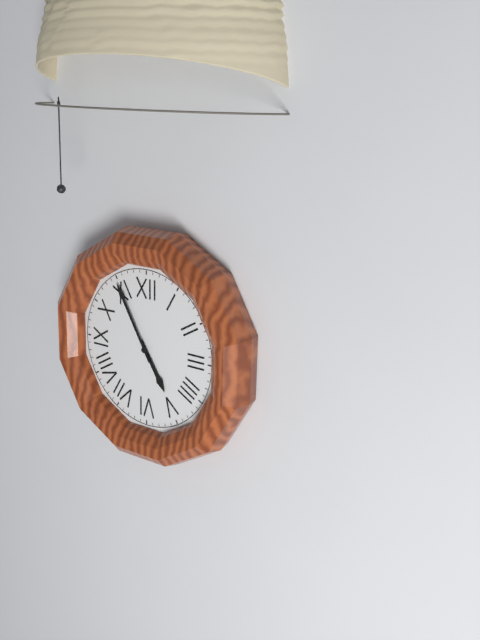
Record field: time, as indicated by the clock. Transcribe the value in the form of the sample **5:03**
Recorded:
**4:55**
